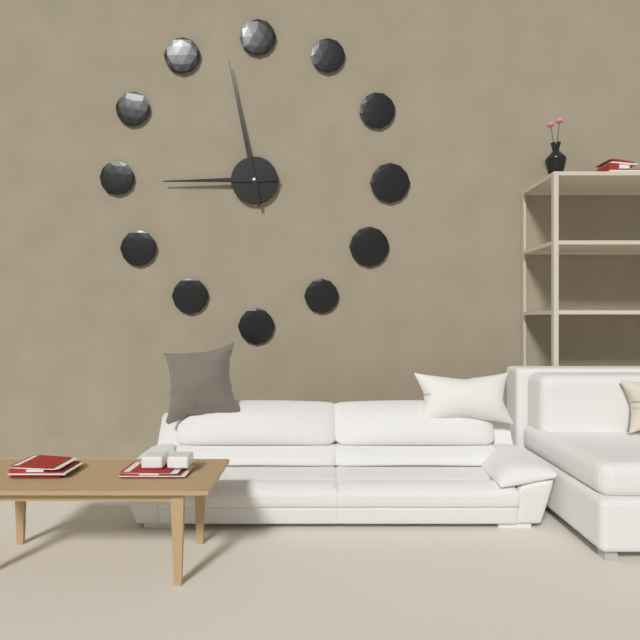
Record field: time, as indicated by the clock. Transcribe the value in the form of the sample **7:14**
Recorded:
**8:58**
